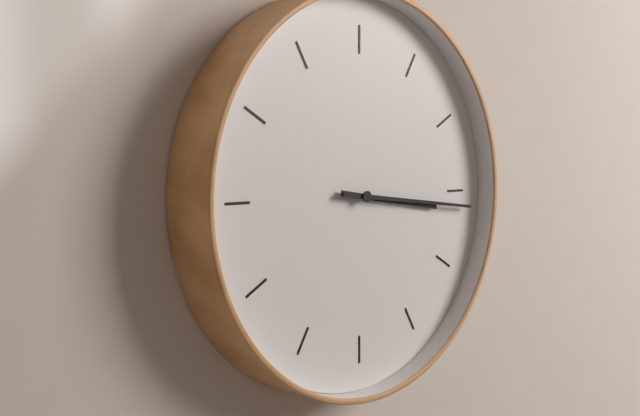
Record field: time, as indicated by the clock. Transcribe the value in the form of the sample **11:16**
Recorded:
**3:16**
